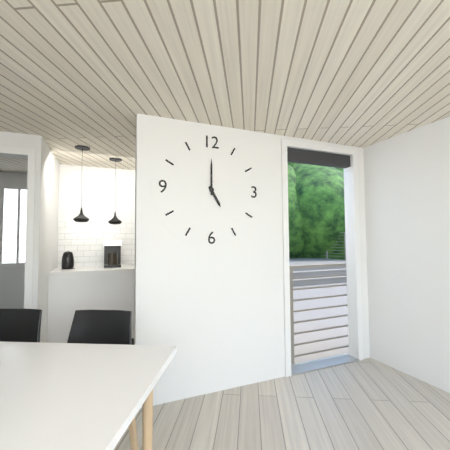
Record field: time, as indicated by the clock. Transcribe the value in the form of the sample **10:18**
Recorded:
**5:00**
